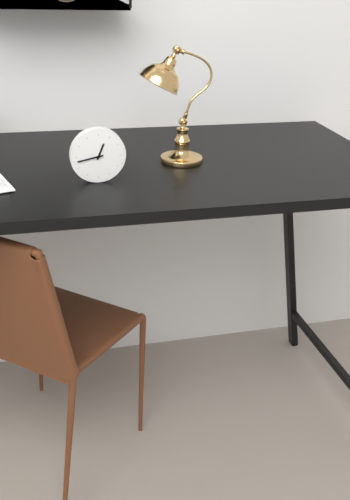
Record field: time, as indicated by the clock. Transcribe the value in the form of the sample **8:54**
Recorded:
**12:43**
